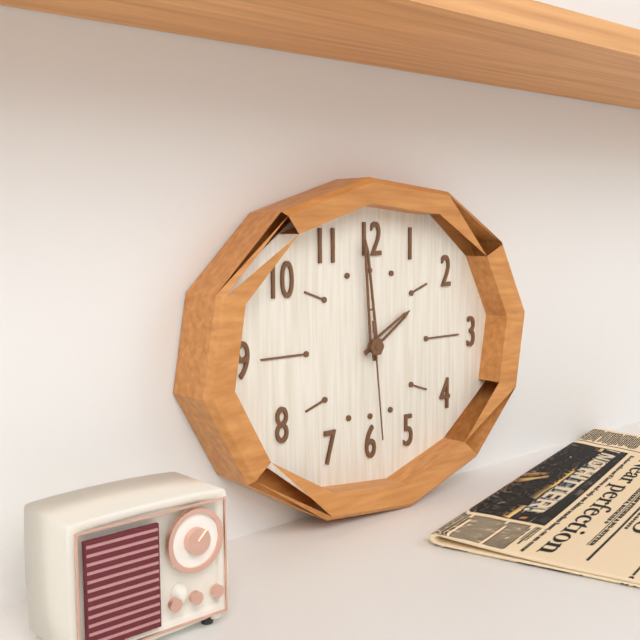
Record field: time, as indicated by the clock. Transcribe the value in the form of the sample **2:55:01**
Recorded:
**1:59:29**
